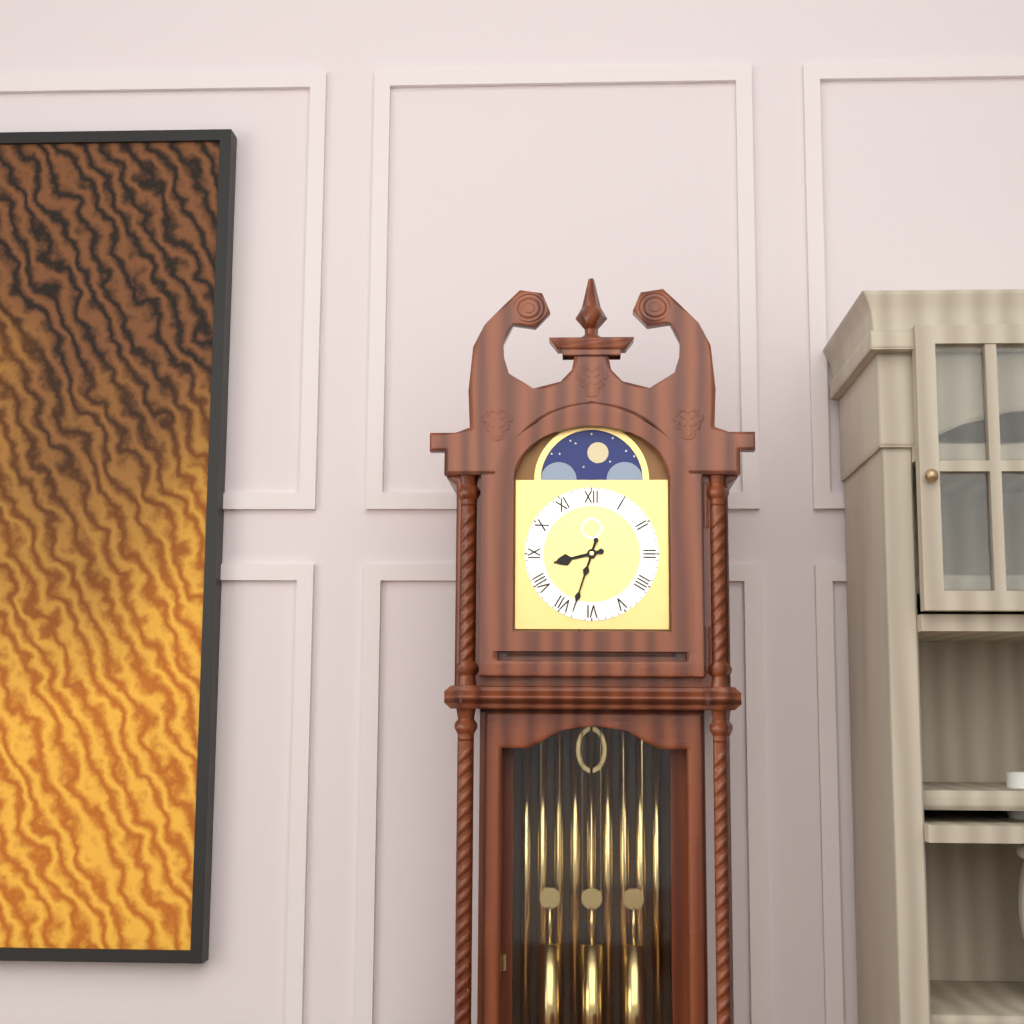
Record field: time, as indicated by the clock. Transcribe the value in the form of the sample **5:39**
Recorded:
**8:33**
